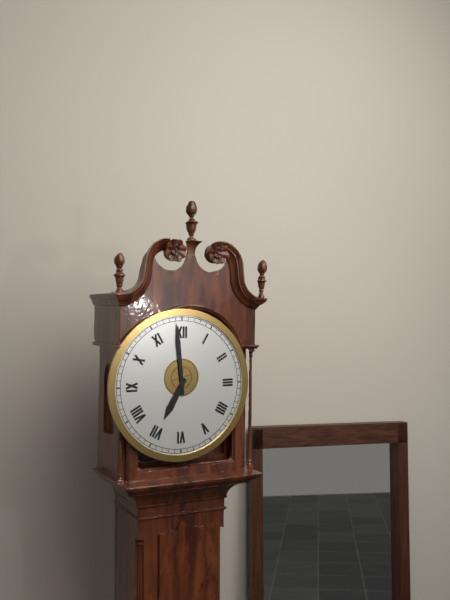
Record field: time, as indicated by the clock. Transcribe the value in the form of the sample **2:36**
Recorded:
**6:59**
